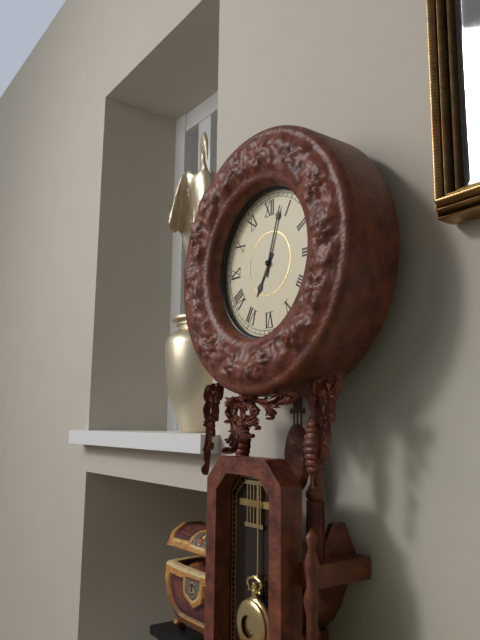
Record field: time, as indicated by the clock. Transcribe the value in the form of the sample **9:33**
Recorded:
**7:03**
